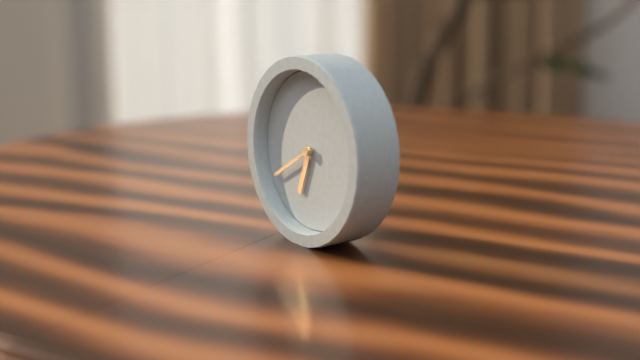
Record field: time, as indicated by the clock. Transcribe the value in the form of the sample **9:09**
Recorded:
**6:40**
